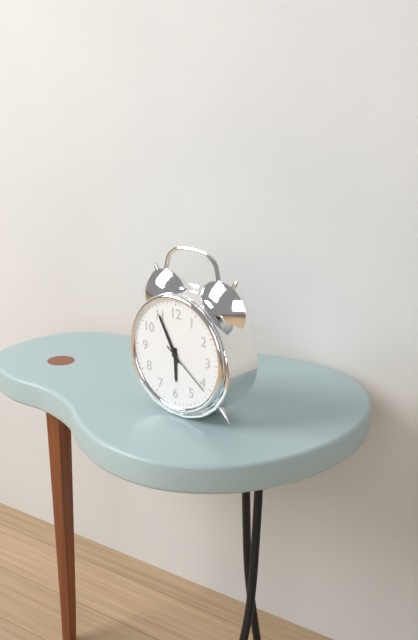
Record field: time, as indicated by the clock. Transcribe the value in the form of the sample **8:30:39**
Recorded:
**5:55:21**
